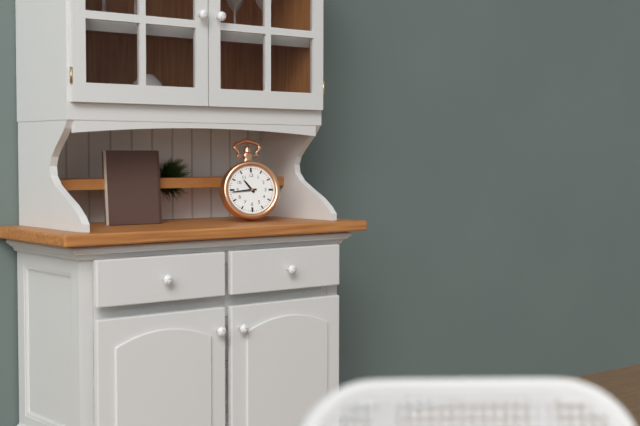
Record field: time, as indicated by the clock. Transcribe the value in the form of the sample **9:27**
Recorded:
**10:44**
